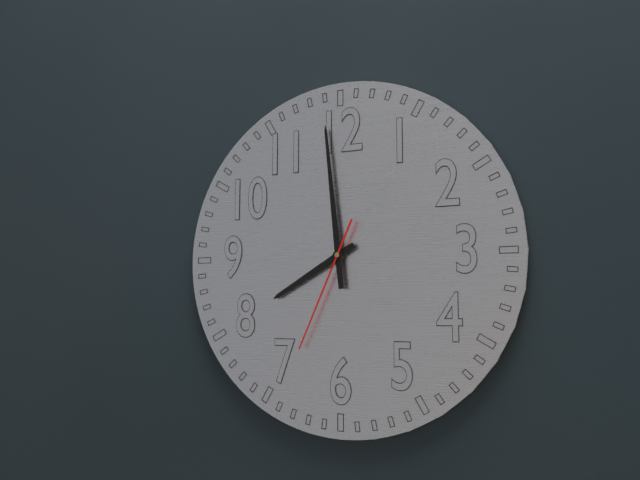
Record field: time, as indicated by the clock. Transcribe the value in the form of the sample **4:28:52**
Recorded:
**7:59:34**
